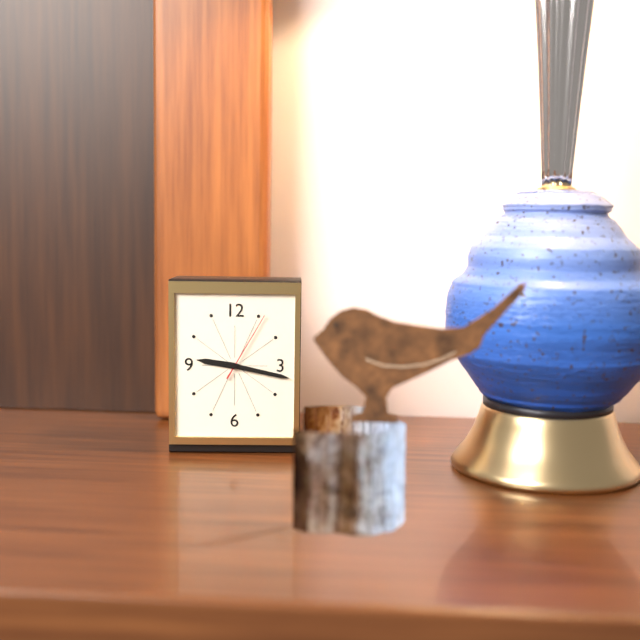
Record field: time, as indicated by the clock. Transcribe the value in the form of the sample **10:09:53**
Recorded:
**9:17:05**
